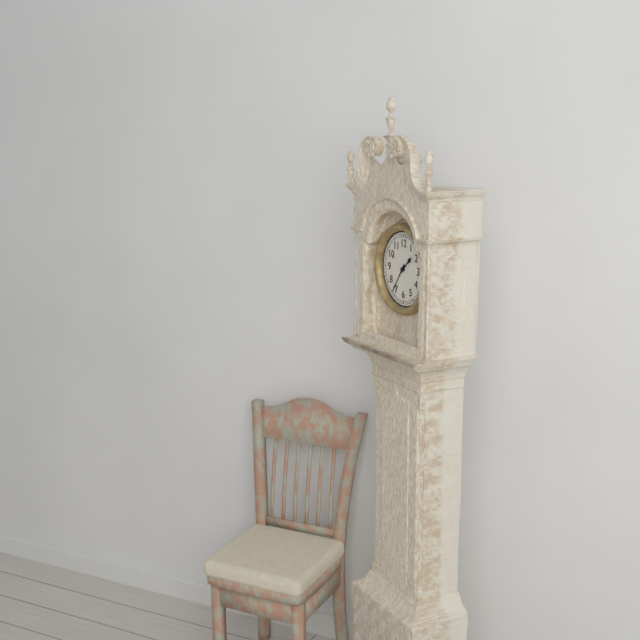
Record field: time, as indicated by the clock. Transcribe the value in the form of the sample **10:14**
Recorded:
**1:36**
